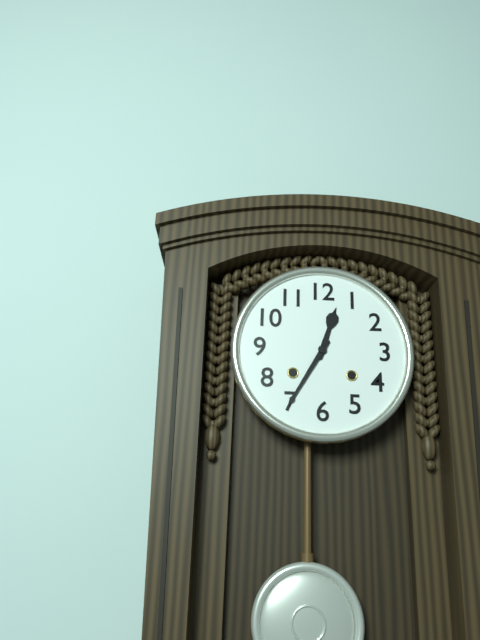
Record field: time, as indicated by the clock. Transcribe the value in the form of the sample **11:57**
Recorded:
**12:35**
